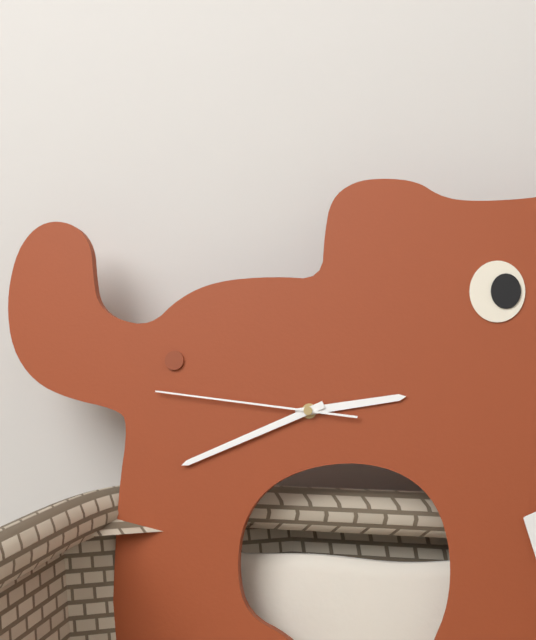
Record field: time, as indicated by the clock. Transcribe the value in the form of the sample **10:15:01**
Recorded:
**2:41:46**
